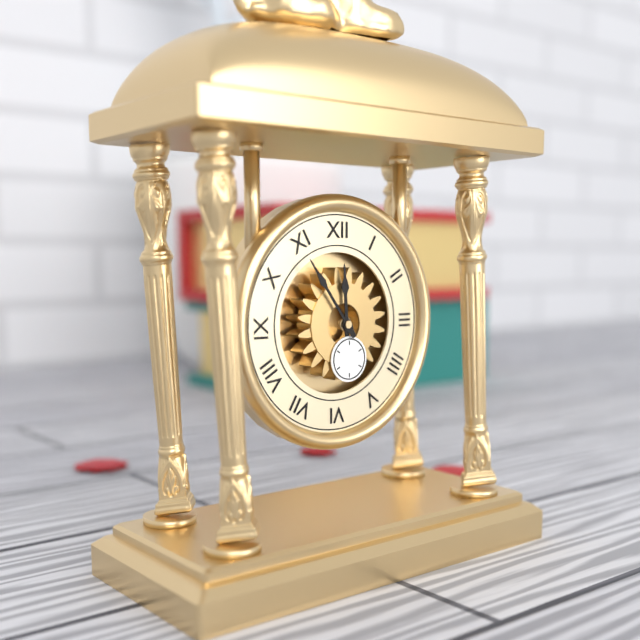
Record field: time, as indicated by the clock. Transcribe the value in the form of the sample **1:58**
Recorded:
**11:54**
